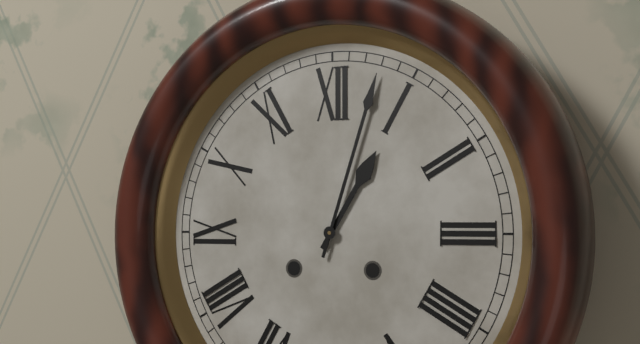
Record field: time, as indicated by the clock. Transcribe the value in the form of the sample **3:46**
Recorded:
**1:03**
